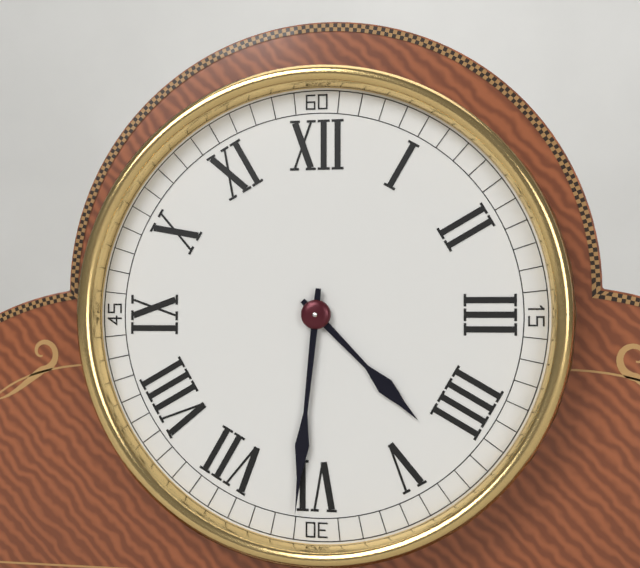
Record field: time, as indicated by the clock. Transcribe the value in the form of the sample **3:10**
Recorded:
**4:31**
